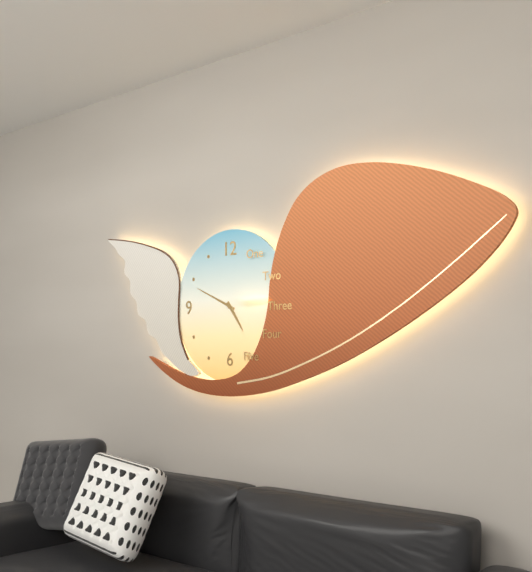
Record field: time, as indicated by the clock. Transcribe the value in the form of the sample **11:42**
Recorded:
**4:49**
